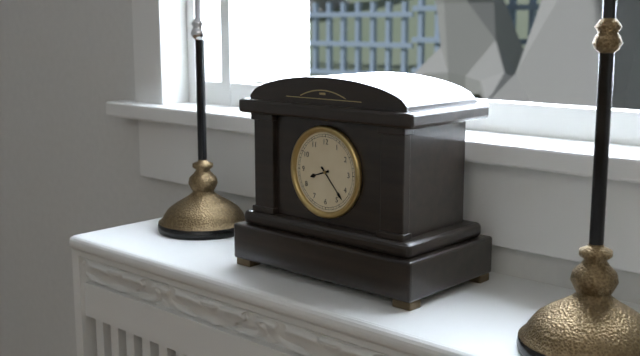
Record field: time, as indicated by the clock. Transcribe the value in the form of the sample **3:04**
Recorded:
**8:23**
